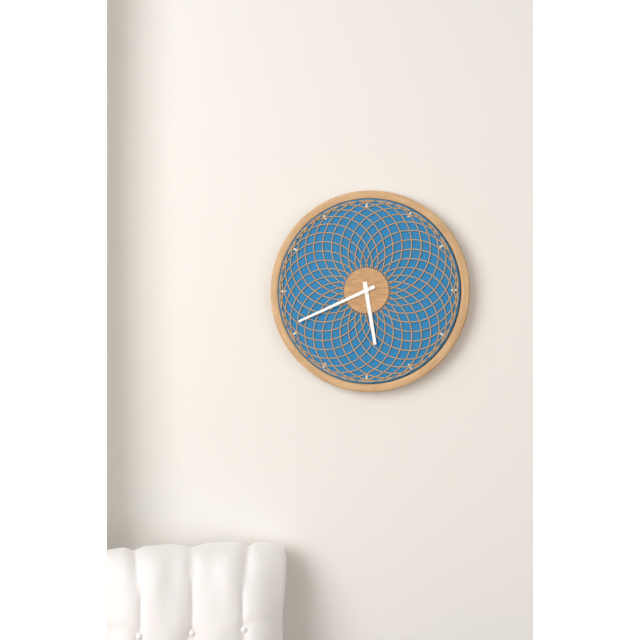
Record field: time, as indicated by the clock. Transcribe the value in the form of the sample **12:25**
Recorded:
**5:41**
